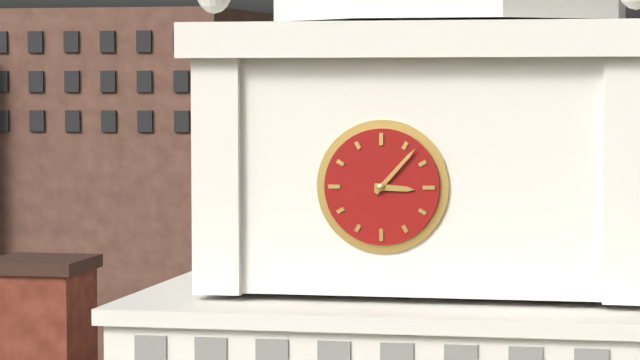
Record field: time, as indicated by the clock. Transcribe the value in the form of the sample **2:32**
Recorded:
**3:07**
